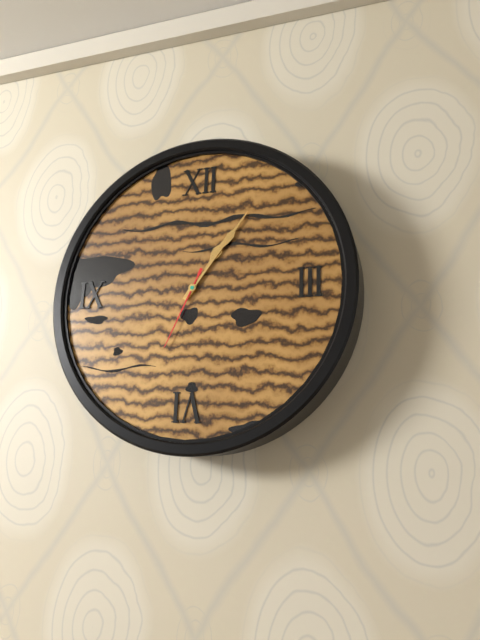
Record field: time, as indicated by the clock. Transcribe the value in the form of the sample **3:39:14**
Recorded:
**1:06:34**
